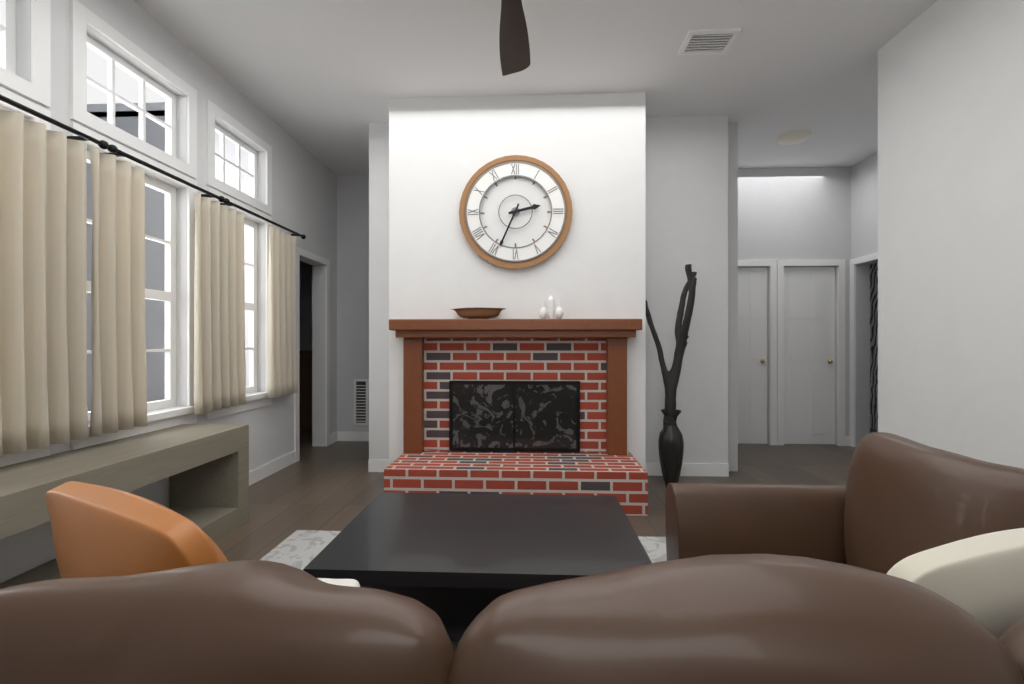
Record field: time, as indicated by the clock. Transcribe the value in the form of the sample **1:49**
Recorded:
**2:34**
